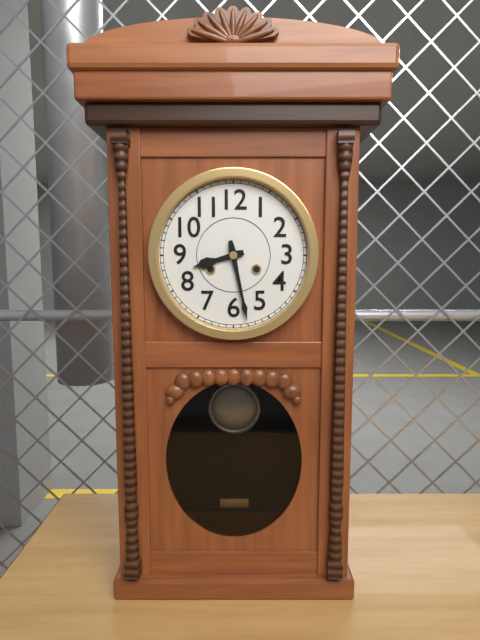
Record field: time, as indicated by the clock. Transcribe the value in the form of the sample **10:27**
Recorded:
**8:28**
